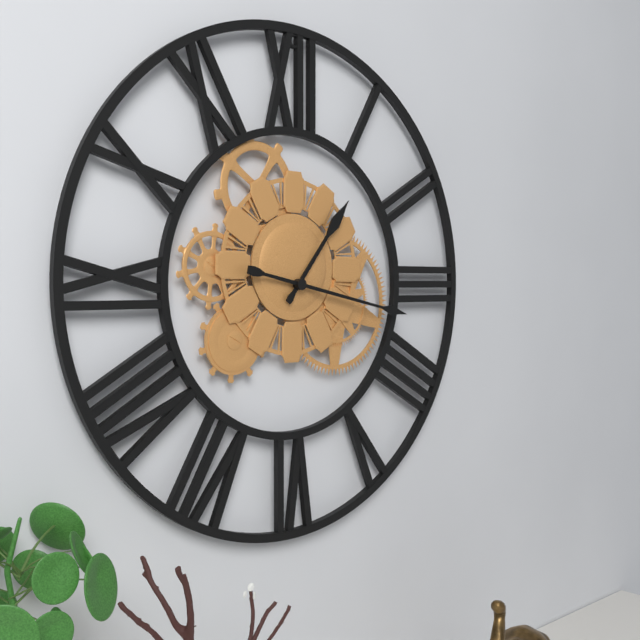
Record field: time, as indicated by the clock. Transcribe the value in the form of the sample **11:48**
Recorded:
**1:17**
